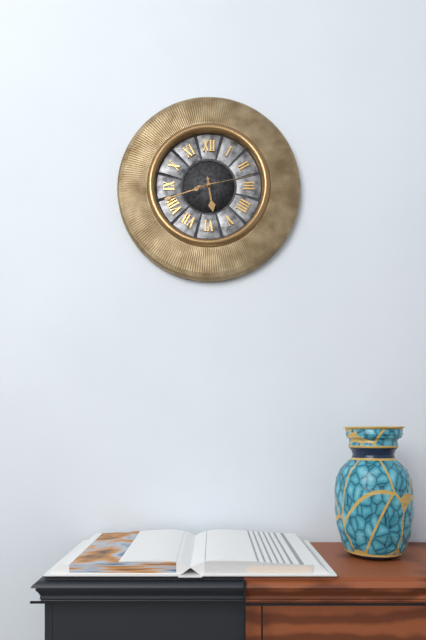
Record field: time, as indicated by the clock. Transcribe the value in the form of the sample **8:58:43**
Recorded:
**5:42:13**
